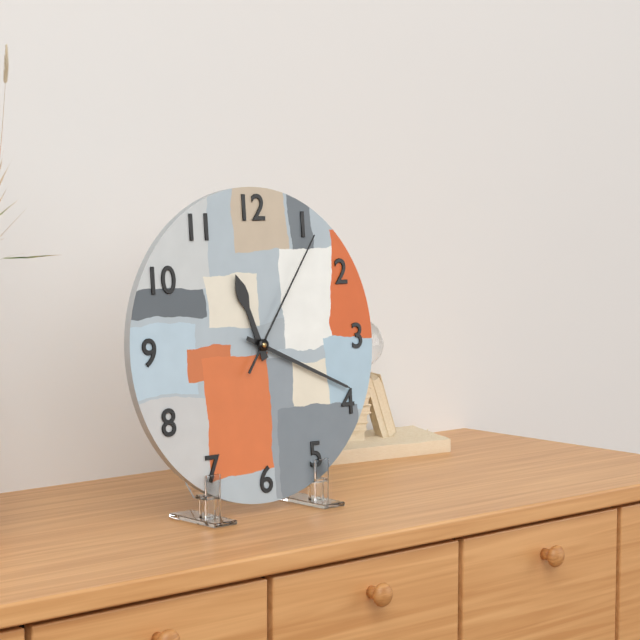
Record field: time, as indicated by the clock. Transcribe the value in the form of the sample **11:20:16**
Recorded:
**11:19:06**
